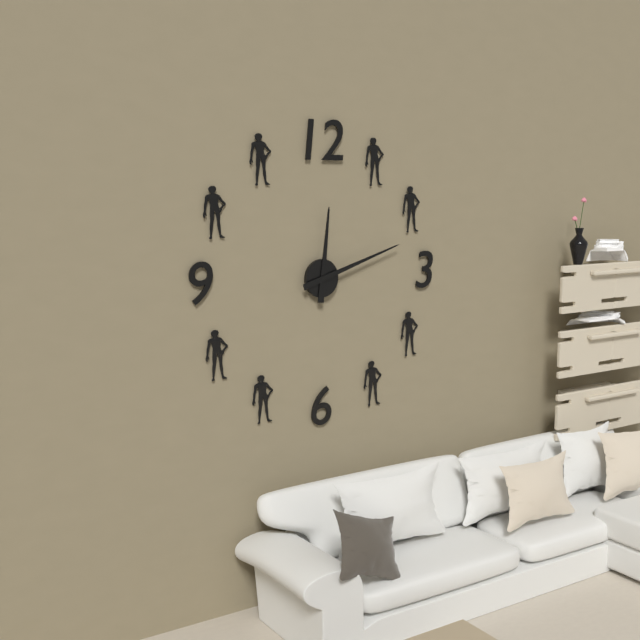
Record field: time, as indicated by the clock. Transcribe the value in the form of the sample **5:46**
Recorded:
**12:12**
